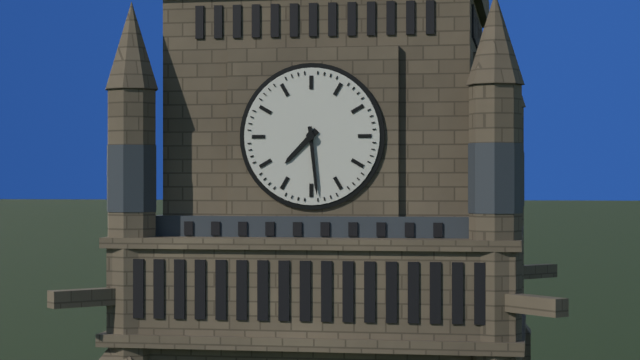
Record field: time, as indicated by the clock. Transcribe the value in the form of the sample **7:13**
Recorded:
**7:29**
